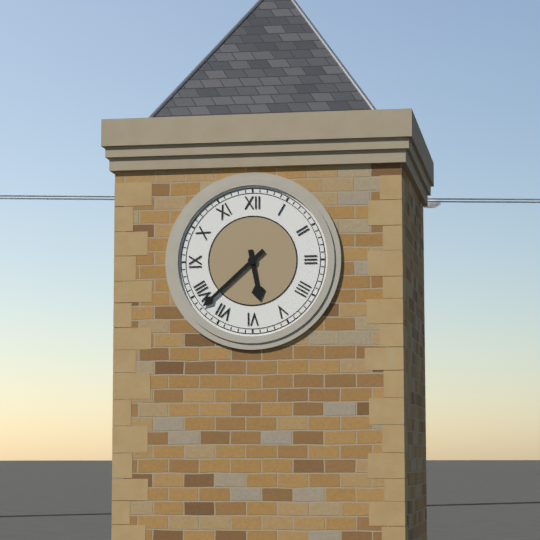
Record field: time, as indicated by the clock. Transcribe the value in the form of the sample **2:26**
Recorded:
**5:38**
